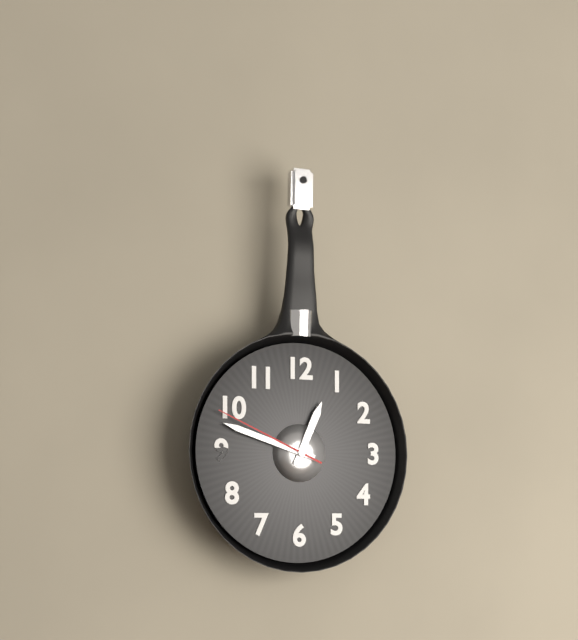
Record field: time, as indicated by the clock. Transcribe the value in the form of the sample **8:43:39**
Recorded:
**12:48:49**
